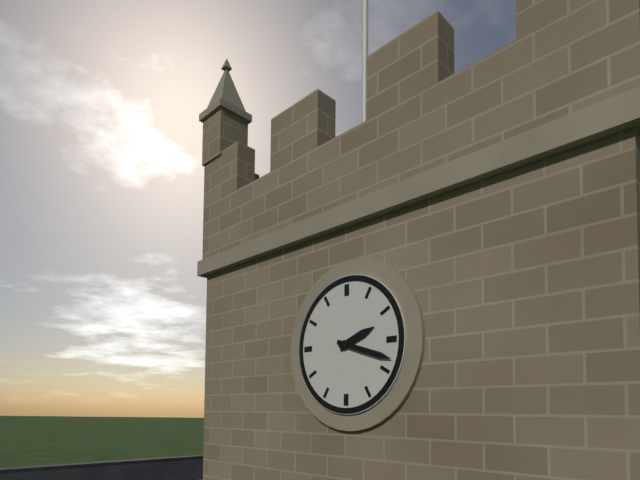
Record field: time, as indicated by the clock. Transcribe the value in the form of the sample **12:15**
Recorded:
**2:18**
